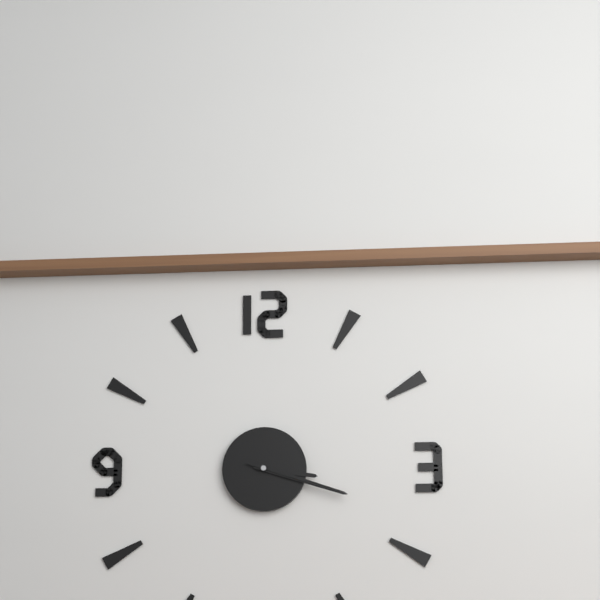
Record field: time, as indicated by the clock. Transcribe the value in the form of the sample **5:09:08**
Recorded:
**3:18:18**
